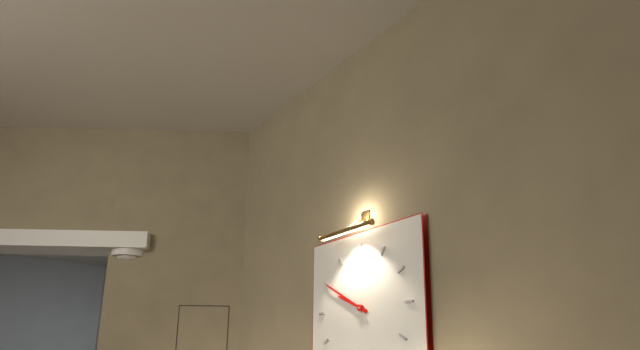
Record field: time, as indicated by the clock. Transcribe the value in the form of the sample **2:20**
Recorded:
**9:50**
